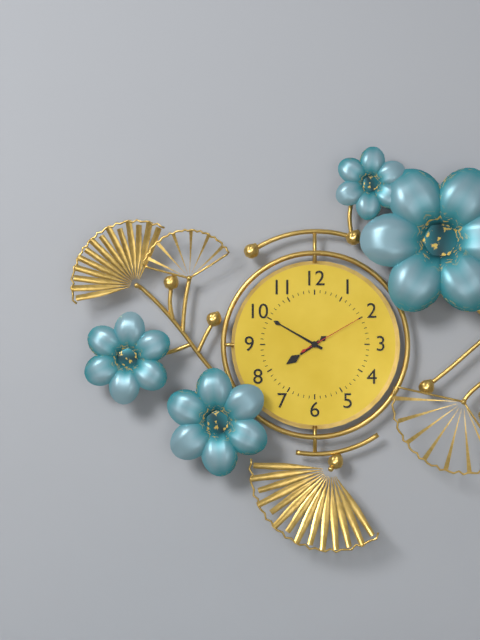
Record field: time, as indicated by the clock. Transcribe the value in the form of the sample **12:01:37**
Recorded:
**7:50:10**
